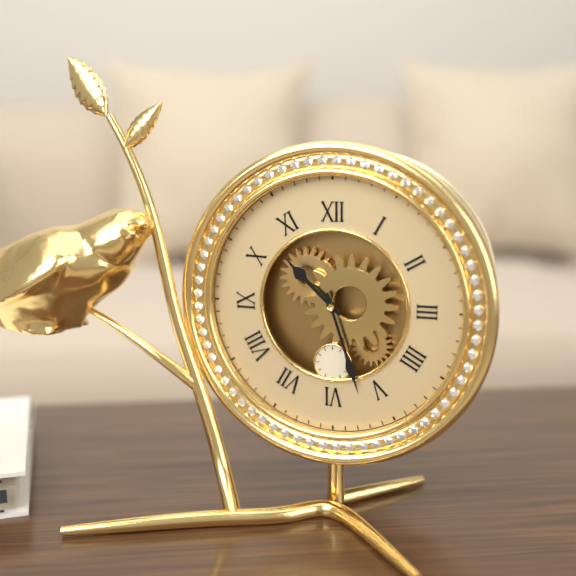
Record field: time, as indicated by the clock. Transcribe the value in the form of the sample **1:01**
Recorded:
**10:27**
